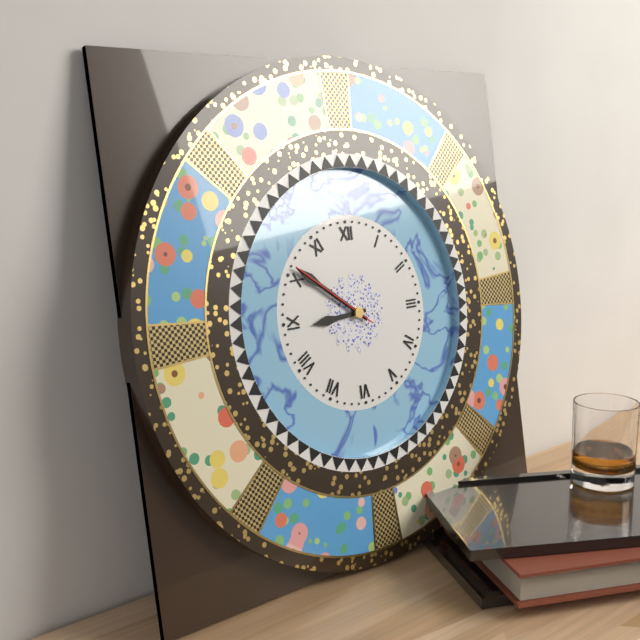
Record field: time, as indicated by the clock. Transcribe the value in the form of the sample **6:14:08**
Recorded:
**8:51:51**
